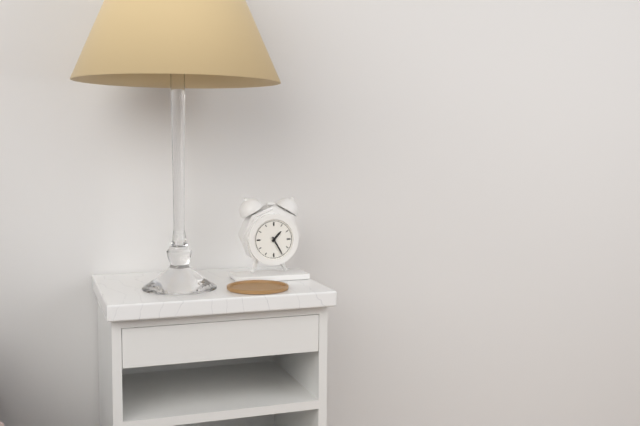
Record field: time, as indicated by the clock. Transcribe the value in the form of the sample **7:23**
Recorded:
**1:25**
